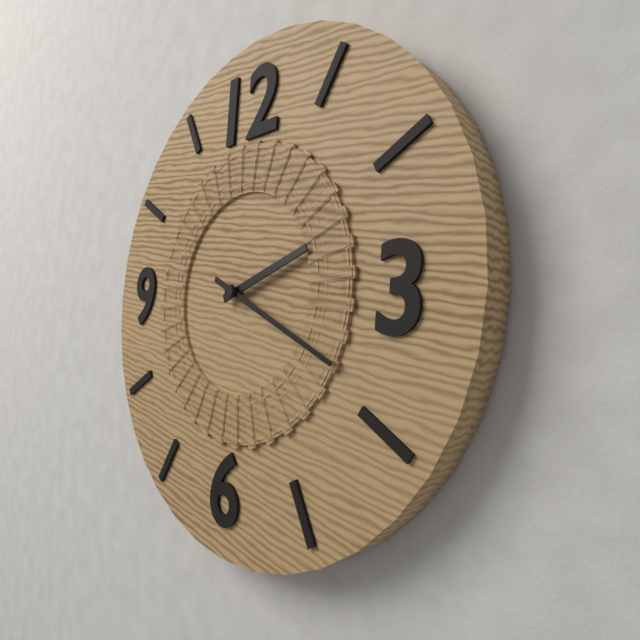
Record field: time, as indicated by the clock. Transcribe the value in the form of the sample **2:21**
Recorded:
**2:19**
